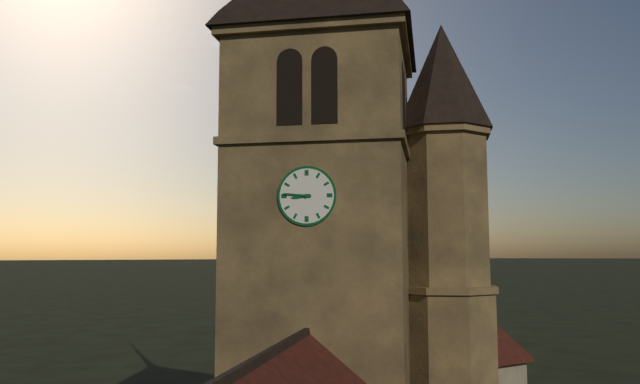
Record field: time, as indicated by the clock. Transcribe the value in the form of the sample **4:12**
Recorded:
**8:46**
